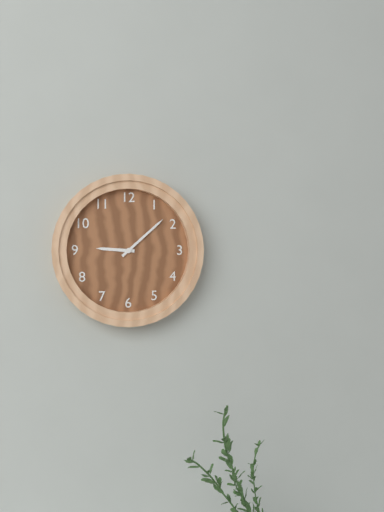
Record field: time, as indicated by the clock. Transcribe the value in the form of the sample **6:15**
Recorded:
**9:08**
